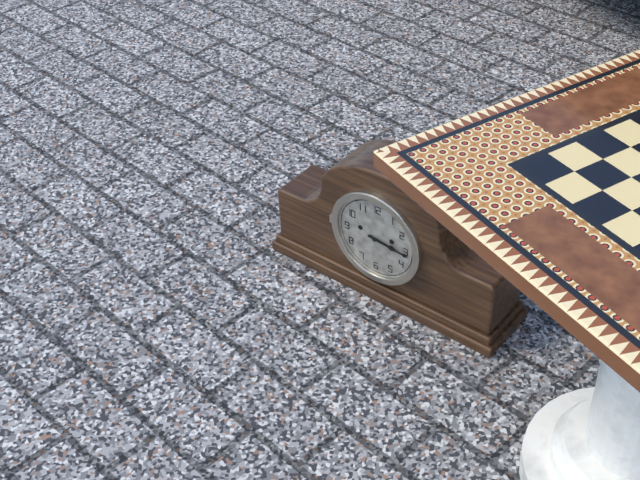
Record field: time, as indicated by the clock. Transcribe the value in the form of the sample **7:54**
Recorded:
**3:16**
